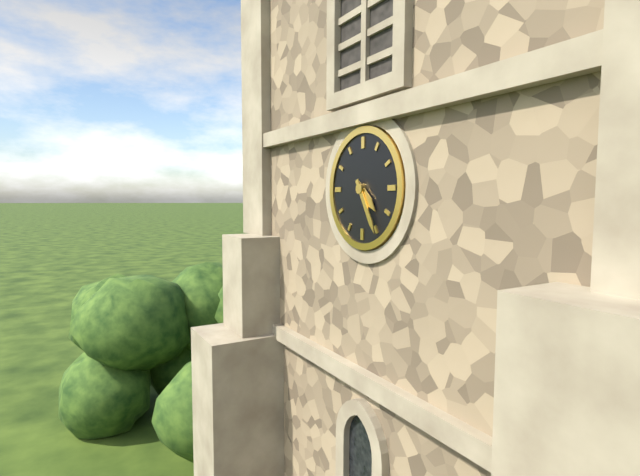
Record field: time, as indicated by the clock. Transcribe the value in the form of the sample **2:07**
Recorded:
**4:25**
